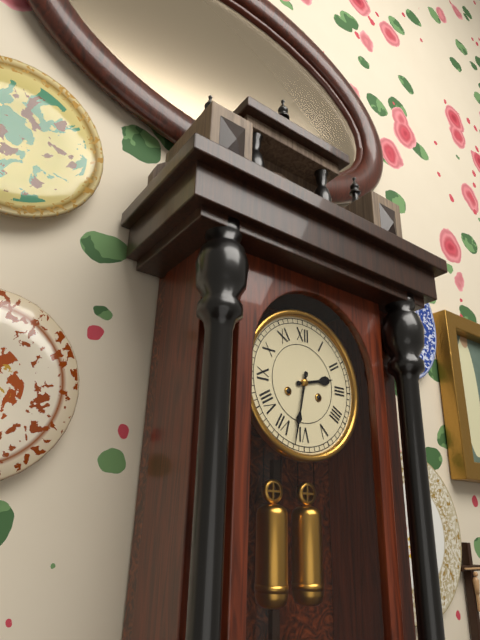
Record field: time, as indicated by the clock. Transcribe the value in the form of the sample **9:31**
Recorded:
**2:32**
